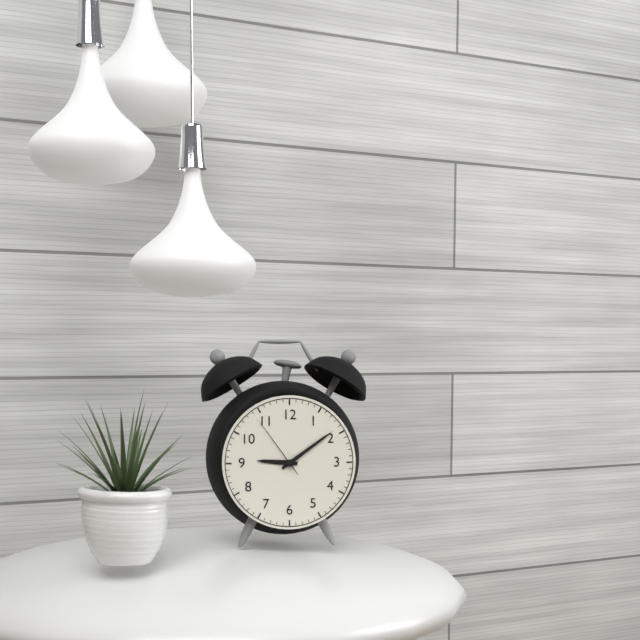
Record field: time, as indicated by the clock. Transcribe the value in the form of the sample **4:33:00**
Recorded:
**9:09:54**
